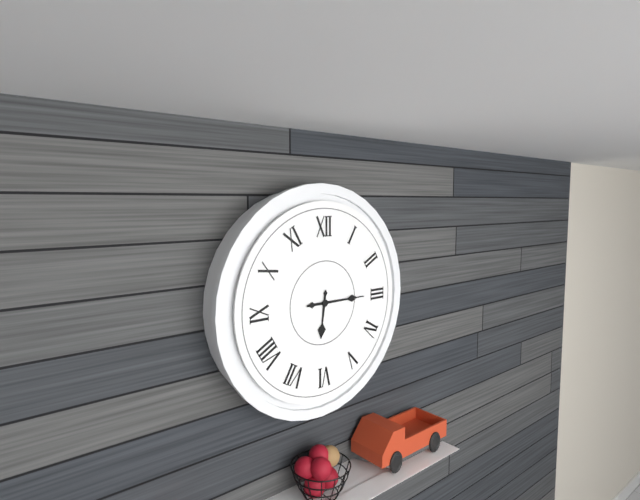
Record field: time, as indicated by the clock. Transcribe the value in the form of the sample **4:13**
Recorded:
**6:15**
